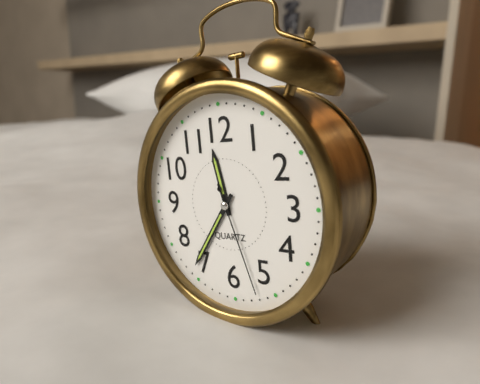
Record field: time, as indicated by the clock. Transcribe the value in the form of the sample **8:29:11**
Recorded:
**11:36:27**
